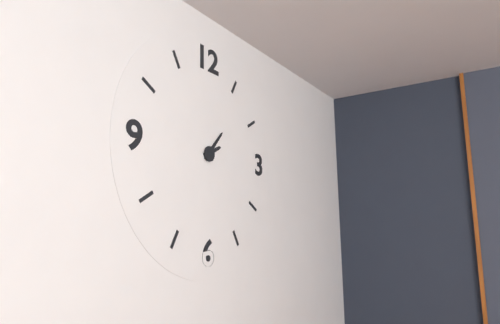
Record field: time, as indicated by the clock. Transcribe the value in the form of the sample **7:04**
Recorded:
**2:07**
